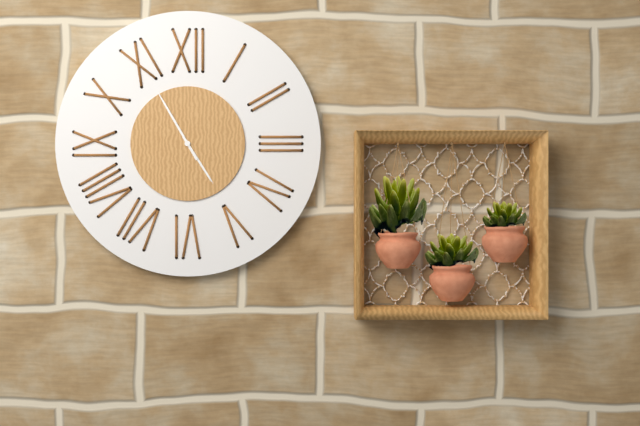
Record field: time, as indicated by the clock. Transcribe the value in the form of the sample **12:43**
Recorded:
**4:55**
